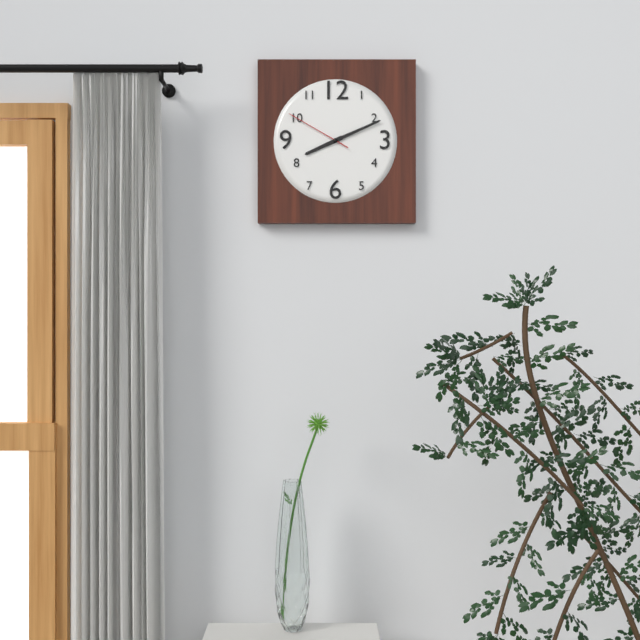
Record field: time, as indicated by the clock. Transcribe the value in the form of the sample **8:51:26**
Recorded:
**8:11:50**
